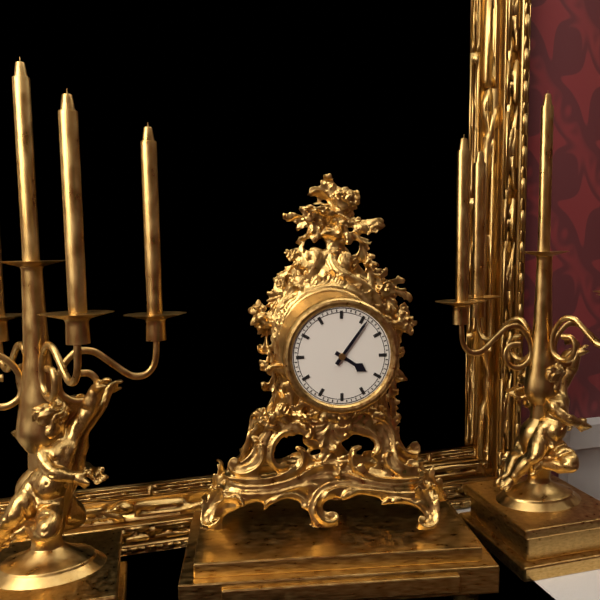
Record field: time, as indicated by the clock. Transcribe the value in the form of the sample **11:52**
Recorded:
**4:06**
